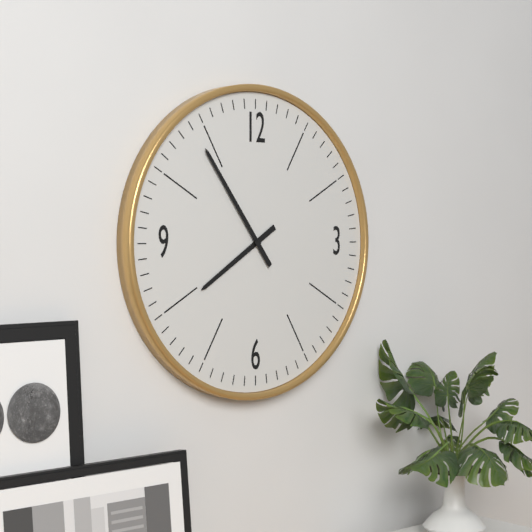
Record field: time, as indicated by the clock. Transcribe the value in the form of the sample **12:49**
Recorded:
**7:54**
